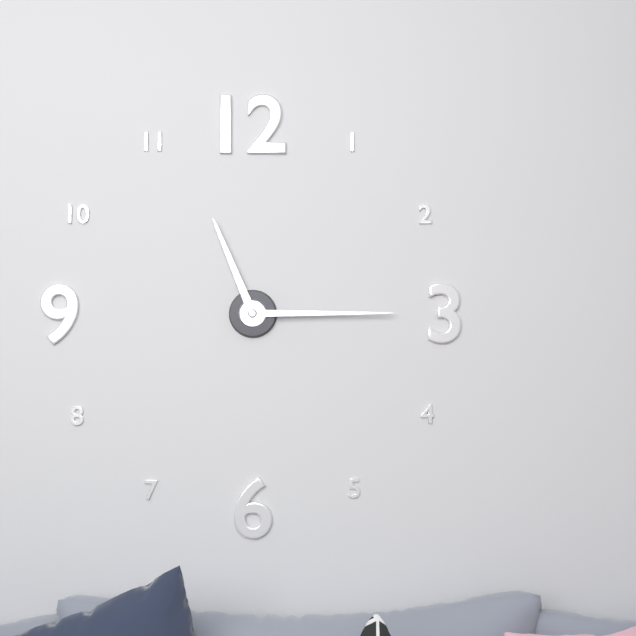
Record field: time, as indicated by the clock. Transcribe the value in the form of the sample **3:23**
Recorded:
**11:15**
